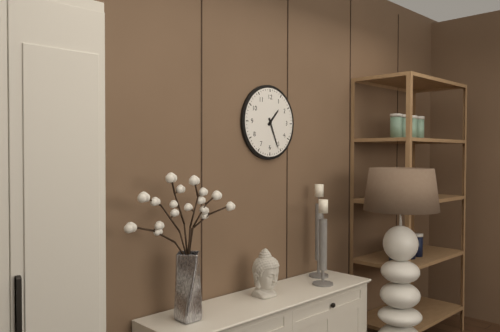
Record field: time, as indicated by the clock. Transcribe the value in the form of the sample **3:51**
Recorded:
**1:26**
